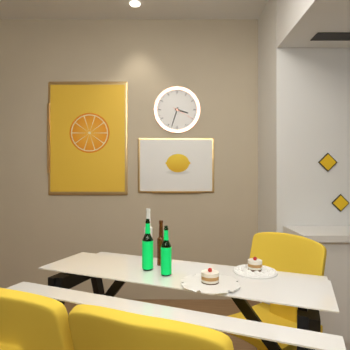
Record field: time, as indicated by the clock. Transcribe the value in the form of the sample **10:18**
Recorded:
**3:33**
